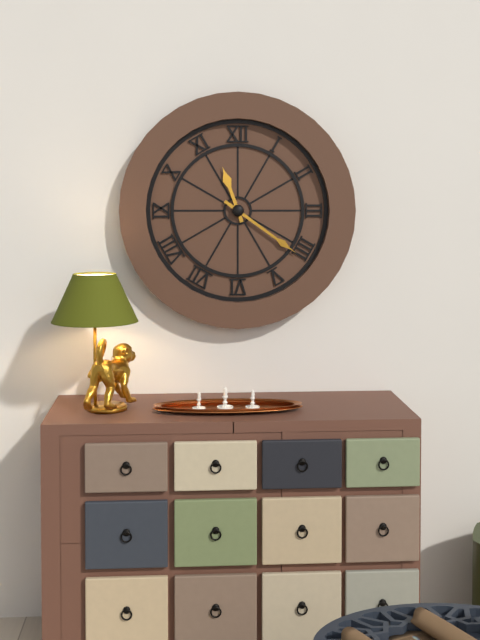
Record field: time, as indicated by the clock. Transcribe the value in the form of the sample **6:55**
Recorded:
**11:21**
